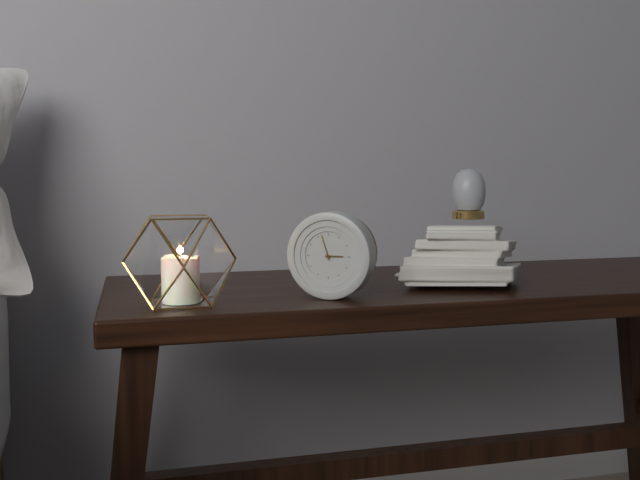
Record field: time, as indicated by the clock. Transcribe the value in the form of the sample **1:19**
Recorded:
**2:57**
